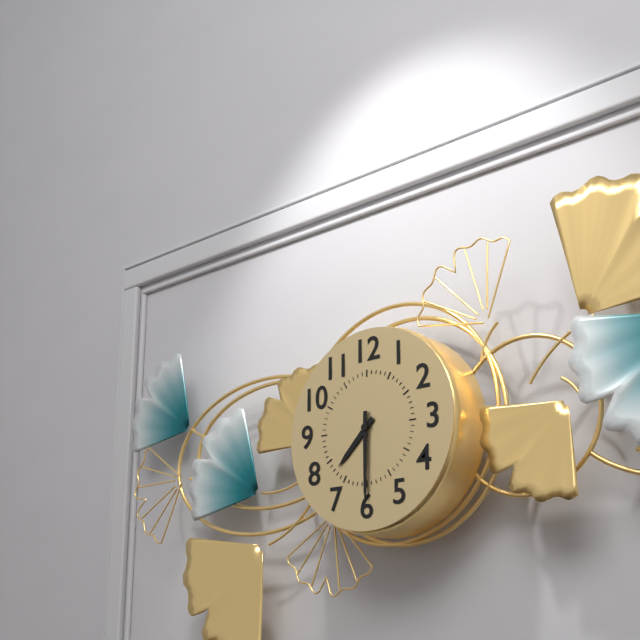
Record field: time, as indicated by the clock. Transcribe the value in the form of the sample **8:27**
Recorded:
**7:30**
